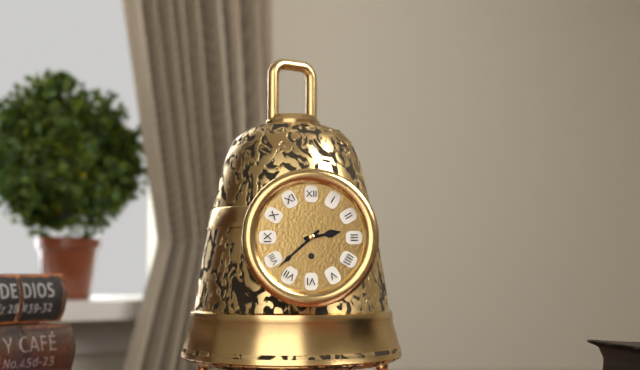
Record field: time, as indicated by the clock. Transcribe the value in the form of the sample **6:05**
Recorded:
**2:38**
